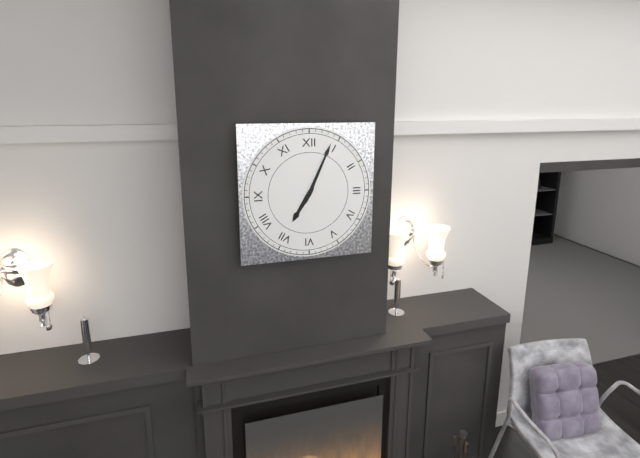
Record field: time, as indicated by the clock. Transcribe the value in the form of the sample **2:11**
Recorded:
**7:04**
